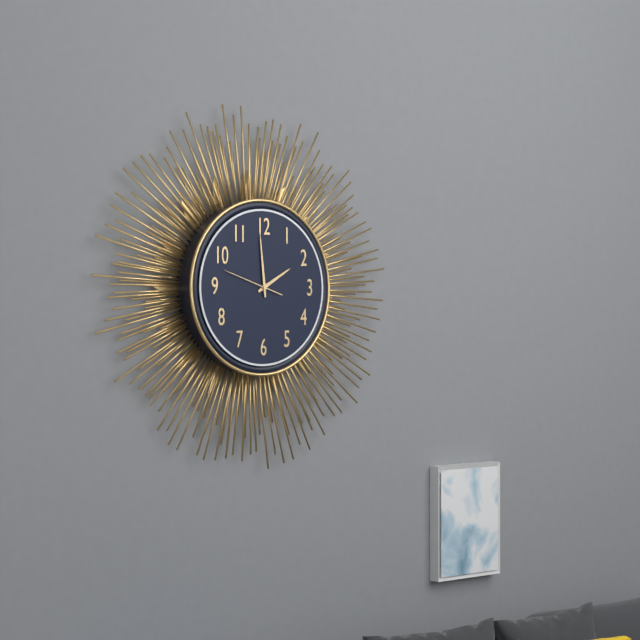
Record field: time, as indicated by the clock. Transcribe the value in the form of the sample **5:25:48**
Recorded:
**1:59:48**
